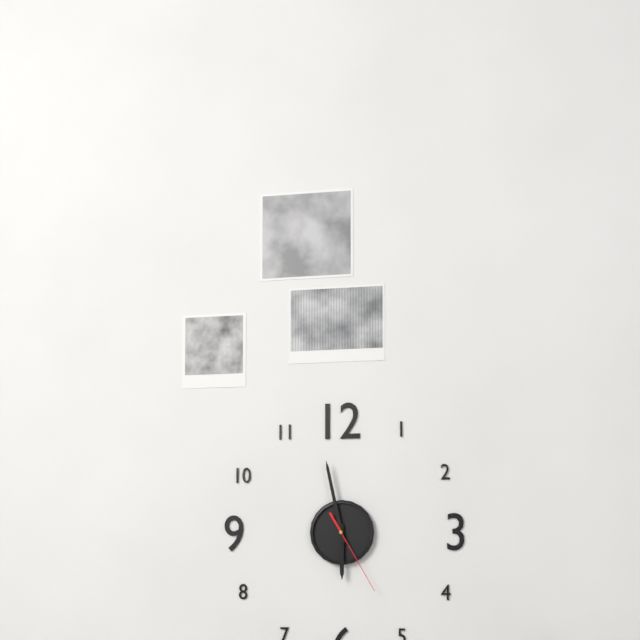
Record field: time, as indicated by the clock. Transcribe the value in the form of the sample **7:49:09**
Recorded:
**5:58:25**
